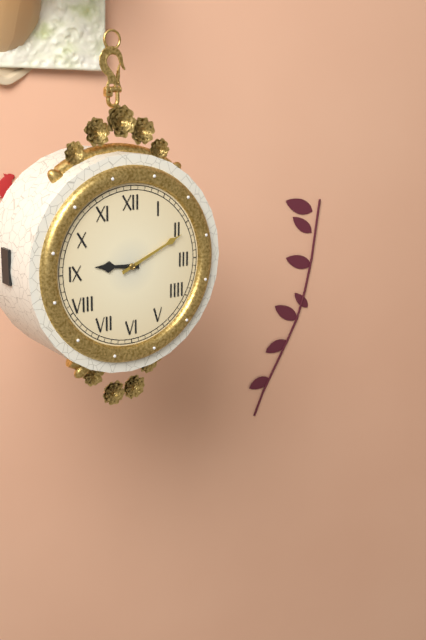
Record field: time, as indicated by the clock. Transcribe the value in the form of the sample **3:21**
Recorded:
**9:11**
